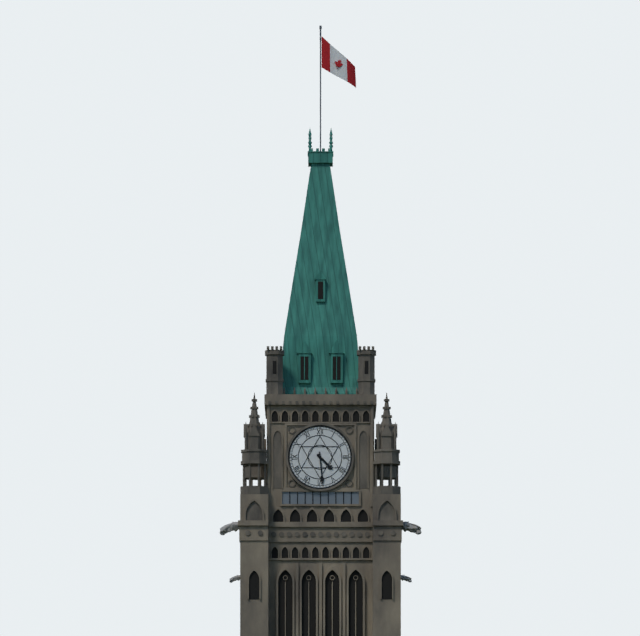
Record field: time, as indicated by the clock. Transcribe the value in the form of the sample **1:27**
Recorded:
**4:29**
